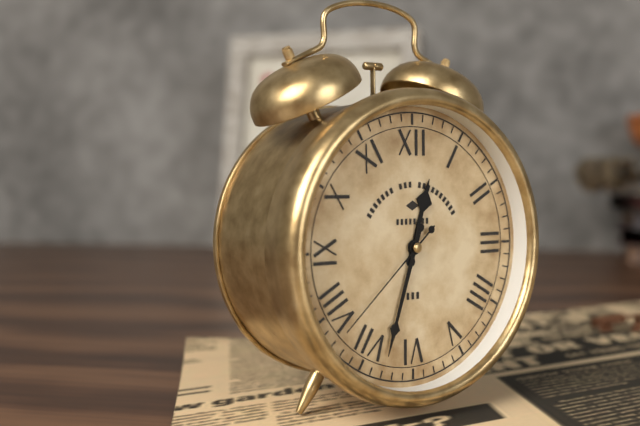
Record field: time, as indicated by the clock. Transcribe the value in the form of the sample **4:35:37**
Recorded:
**12:33:38**
